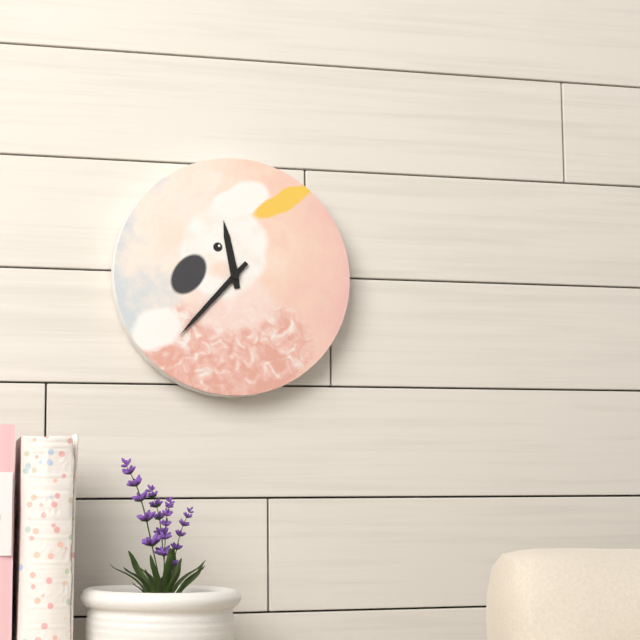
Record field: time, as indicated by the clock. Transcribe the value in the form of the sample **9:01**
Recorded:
**11:37**
